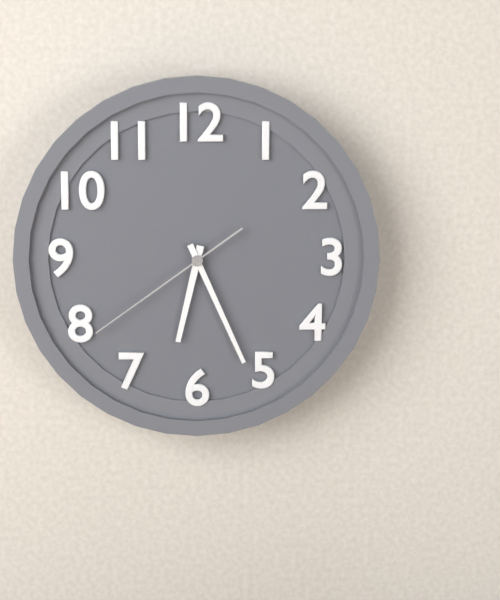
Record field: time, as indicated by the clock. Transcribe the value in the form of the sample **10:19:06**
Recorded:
**6:26:39**
